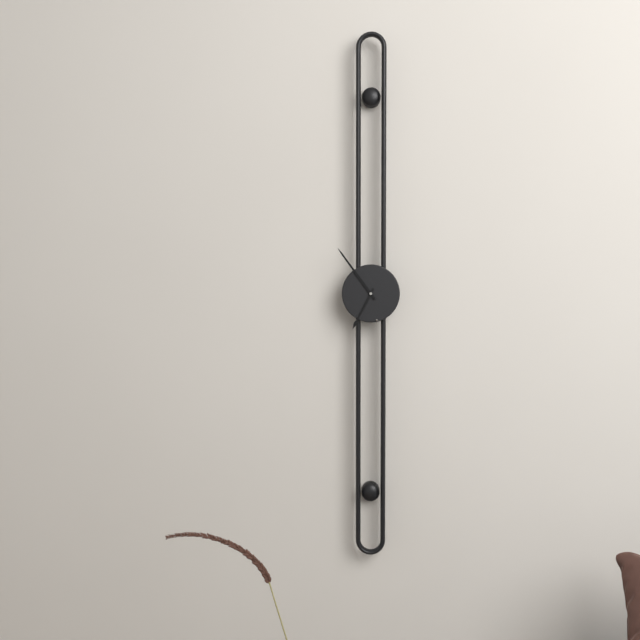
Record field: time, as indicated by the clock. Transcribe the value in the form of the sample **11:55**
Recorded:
**6:54**
